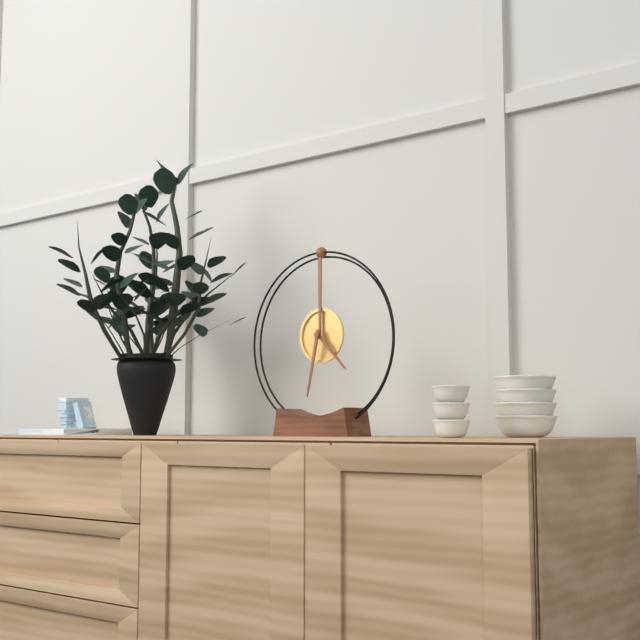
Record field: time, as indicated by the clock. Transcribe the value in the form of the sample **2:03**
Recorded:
**4:32**
